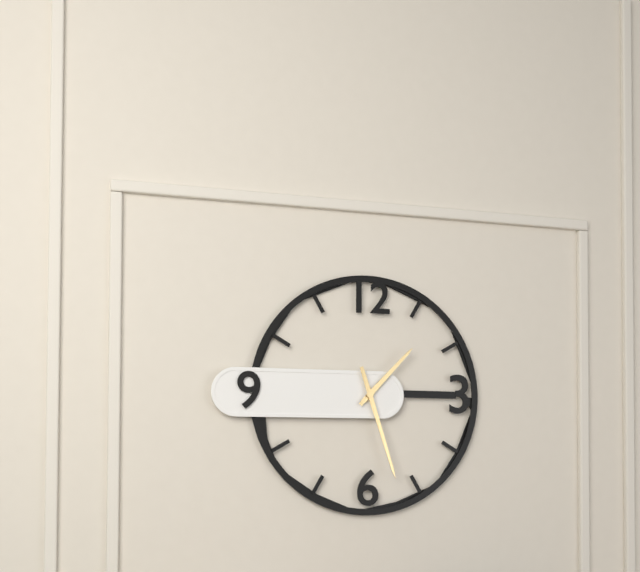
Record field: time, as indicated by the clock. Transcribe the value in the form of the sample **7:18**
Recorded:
**1:27**
